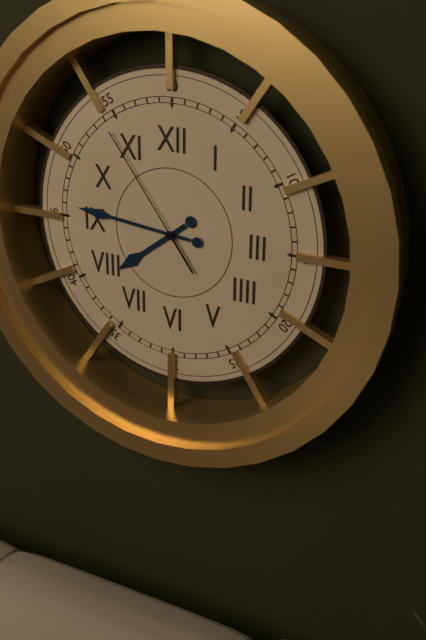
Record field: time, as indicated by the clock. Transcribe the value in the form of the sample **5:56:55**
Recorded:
**7:46:54**
